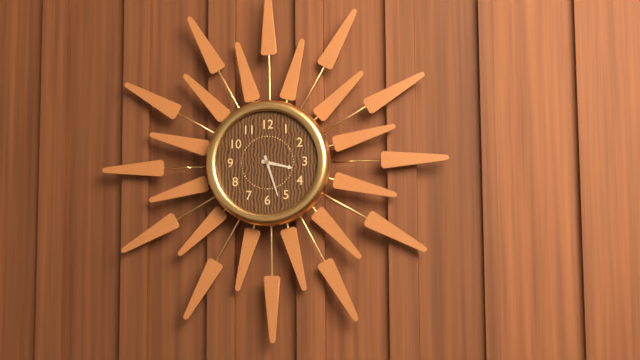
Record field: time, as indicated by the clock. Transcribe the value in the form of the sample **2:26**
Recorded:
**3:27**
